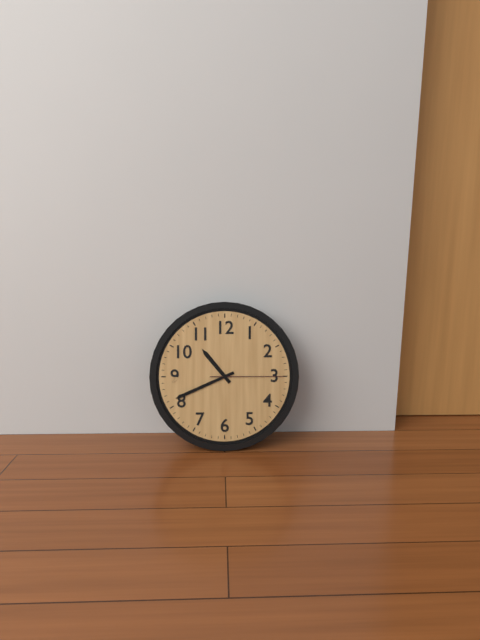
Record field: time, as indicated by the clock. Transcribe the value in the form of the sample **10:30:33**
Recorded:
**10:41:15**
